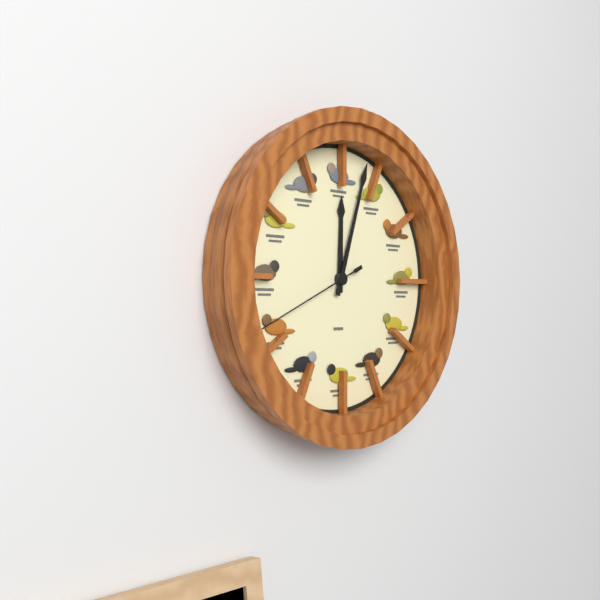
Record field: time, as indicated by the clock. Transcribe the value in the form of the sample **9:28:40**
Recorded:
**12:03:41**
